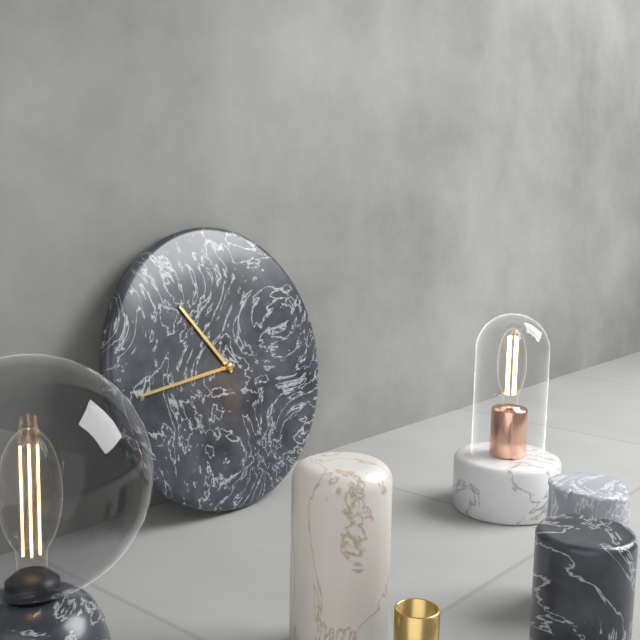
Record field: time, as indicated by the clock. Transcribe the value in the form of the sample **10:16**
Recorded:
**10:44**
